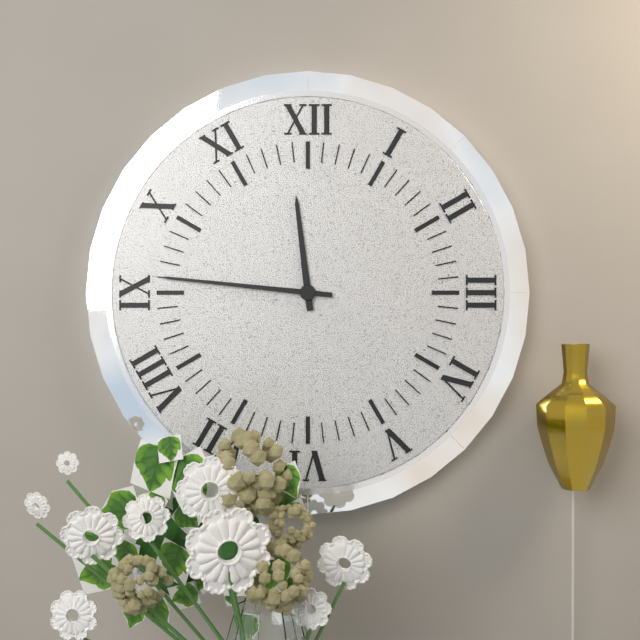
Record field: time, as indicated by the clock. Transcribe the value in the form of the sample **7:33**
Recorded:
**11:46**
